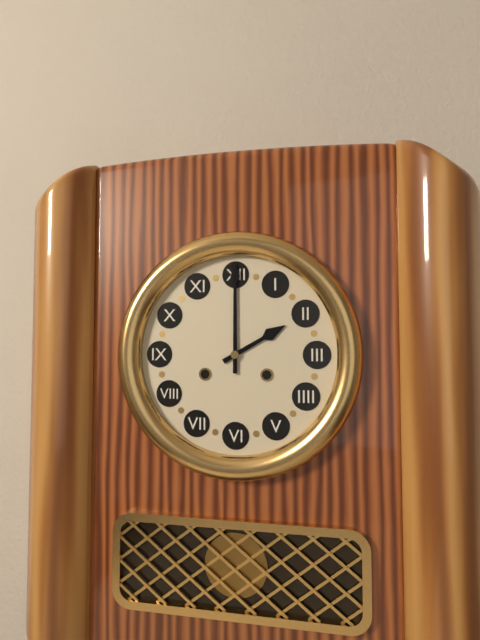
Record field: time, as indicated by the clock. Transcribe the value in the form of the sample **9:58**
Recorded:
**2:00**
